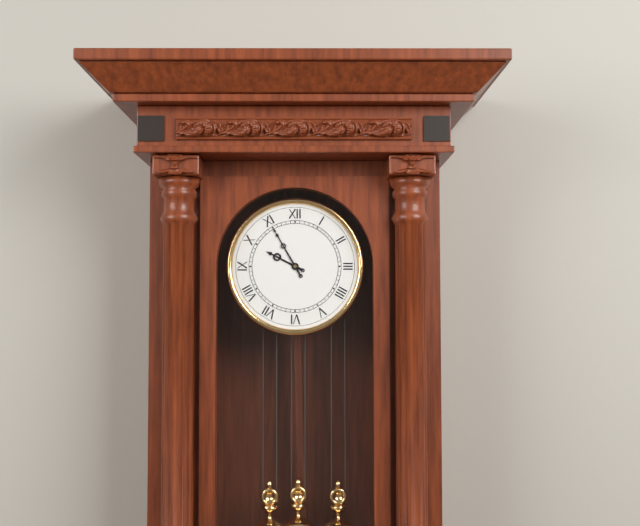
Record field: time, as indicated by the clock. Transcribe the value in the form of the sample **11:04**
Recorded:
**9:55**
